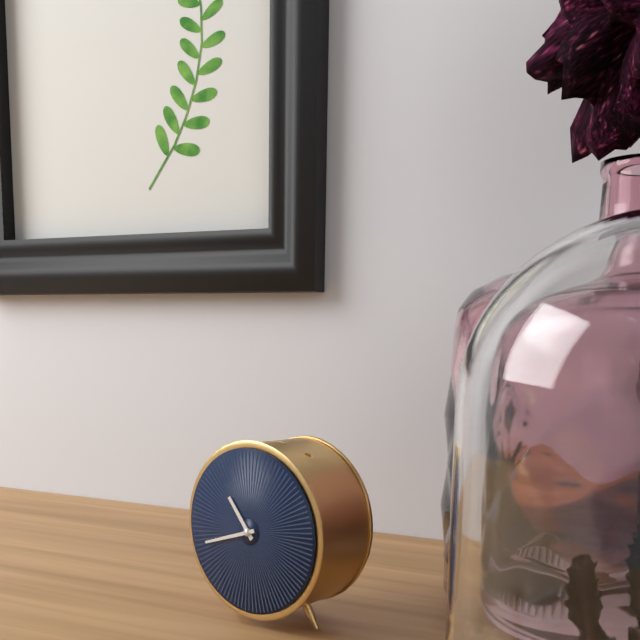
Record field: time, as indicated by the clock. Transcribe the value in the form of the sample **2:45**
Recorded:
**10:42**
